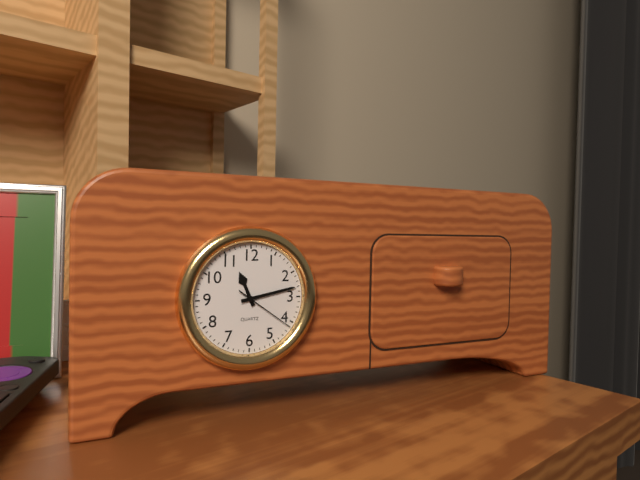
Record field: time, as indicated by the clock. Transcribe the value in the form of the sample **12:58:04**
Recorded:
**11:13:21**
